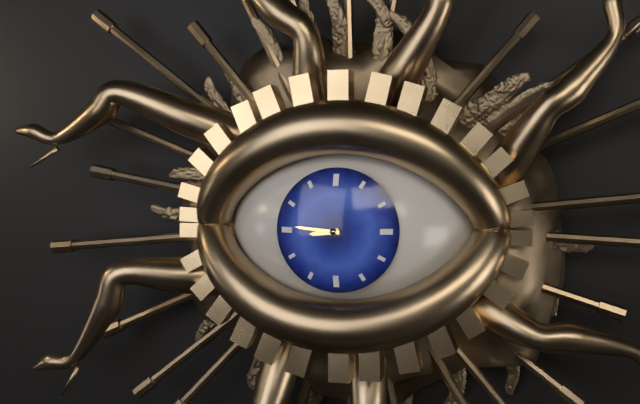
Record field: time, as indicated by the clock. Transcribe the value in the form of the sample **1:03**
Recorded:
**8:46**
